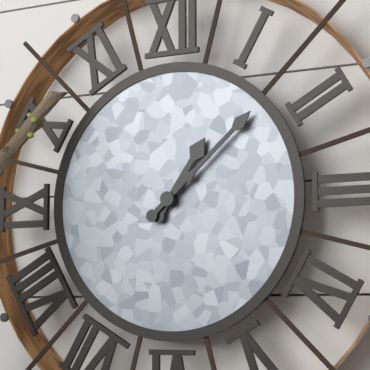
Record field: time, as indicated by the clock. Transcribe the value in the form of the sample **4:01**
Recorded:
**1:08**
